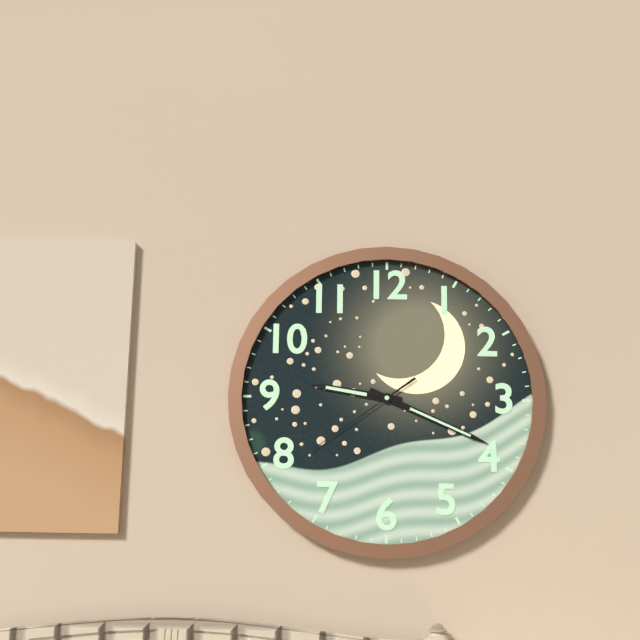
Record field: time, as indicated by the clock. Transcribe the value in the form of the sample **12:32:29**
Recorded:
**9:19:39**
